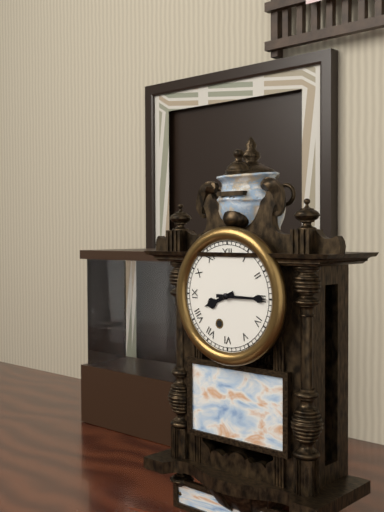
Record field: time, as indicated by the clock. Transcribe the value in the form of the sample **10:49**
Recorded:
**8:15**
